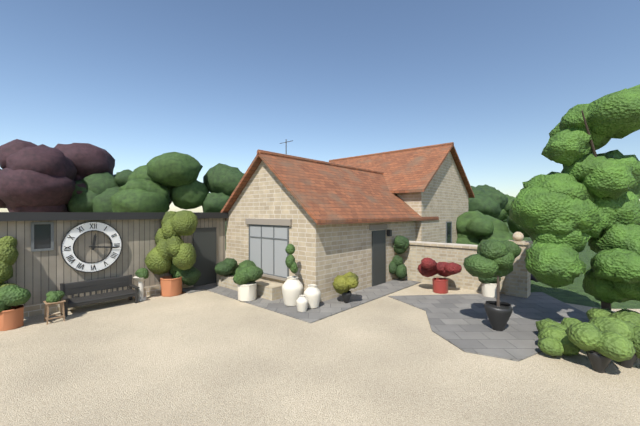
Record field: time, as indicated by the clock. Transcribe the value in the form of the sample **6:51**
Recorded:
**12:16**
